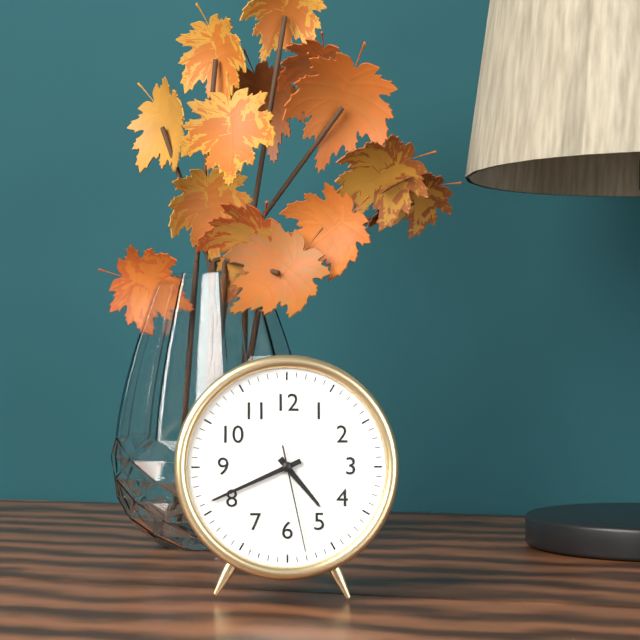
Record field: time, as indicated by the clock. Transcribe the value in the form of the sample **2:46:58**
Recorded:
**4:41:28**
